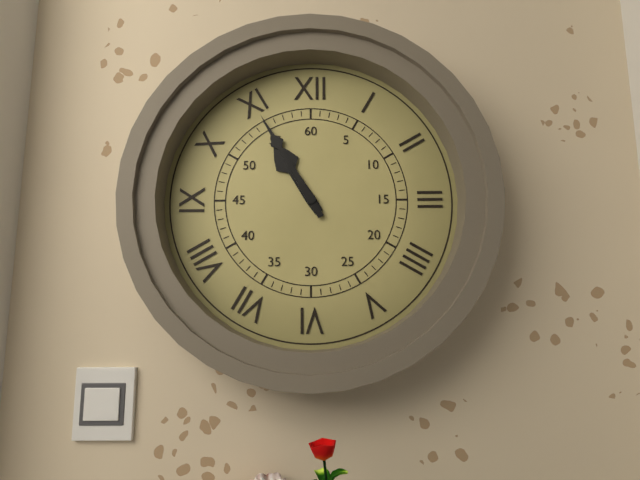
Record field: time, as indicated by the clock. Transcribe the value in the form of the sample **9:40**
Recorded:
**10:55**
